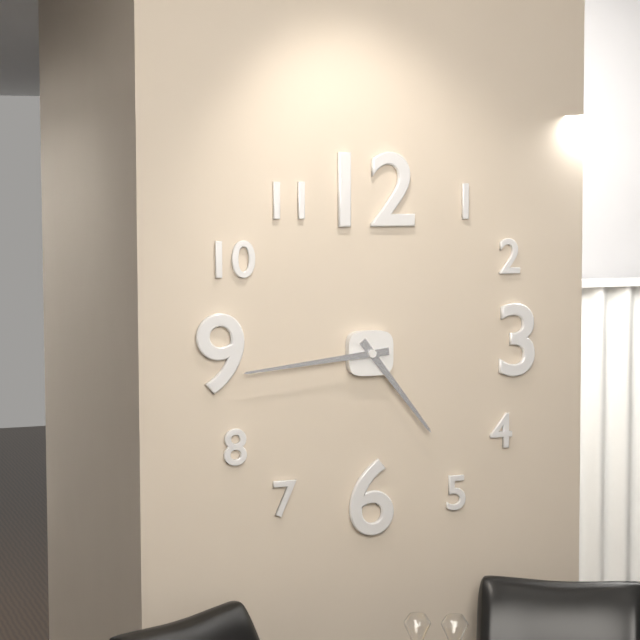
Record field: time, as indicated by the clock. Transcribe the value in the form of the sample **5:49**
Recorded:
**4:44**
